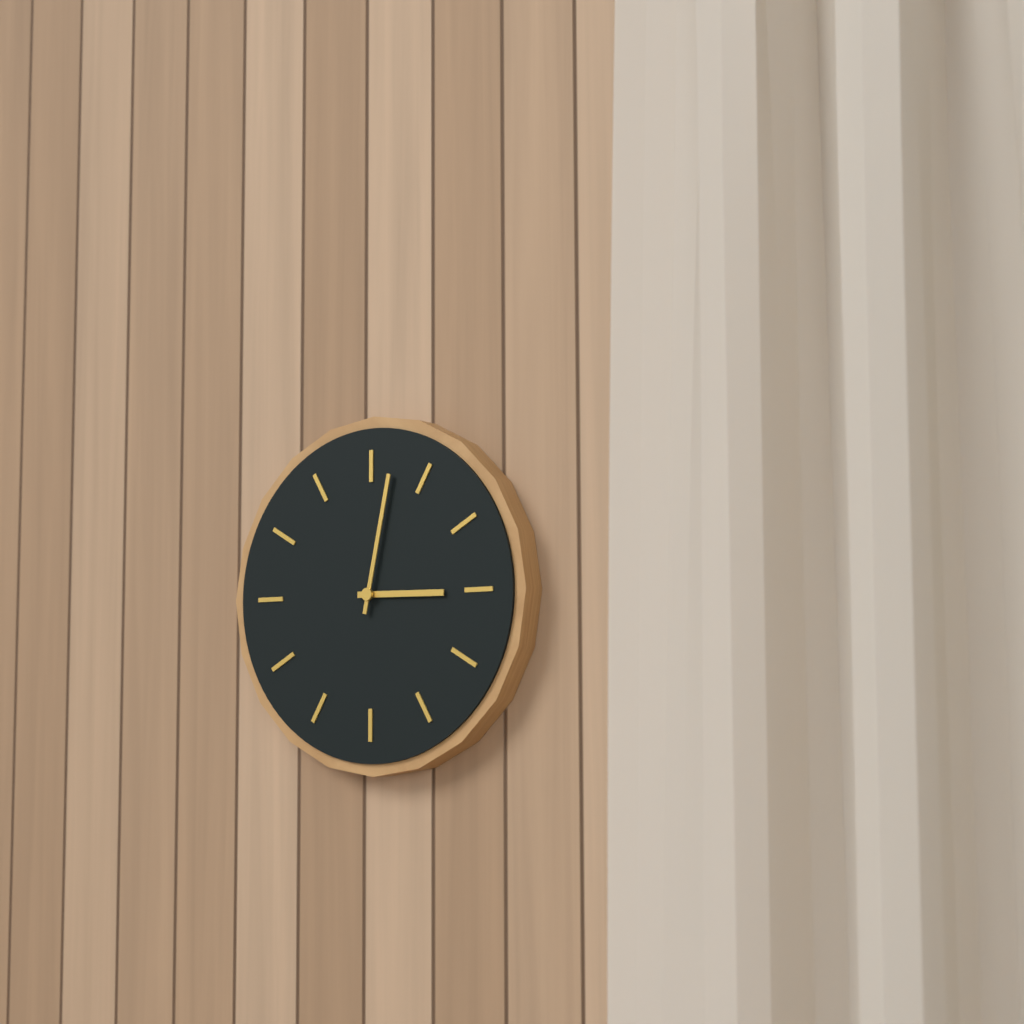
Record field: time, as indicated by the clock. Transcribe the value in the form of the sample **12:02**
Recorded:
**3:02**
